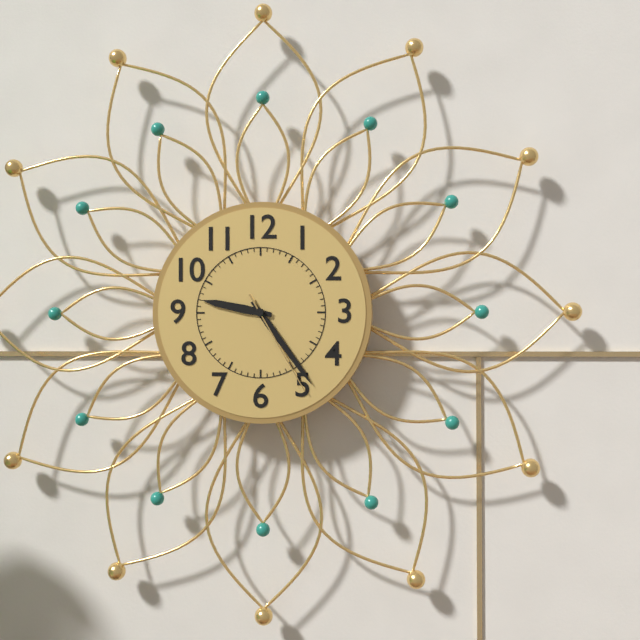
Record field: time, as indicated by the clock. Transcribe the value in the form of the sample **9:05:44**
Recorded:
**9:24:25**
